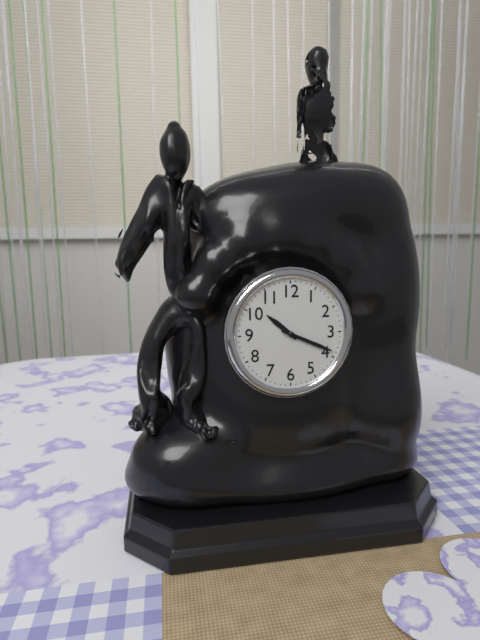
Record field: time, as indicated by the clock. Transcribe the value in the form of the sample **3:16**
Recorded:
**10:19**
